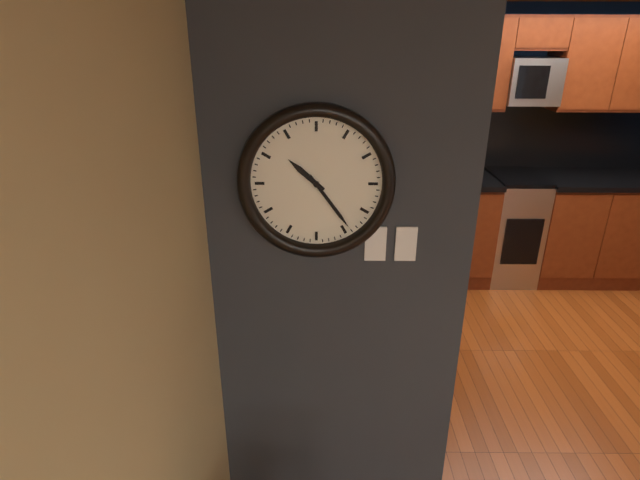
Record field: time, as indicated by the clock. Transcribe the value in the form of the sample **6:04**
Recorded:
**10:24**
